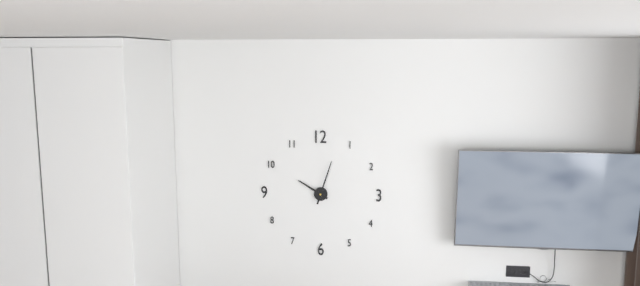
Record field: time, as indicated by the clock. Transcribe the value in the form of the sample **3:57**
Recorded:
**10:03**
